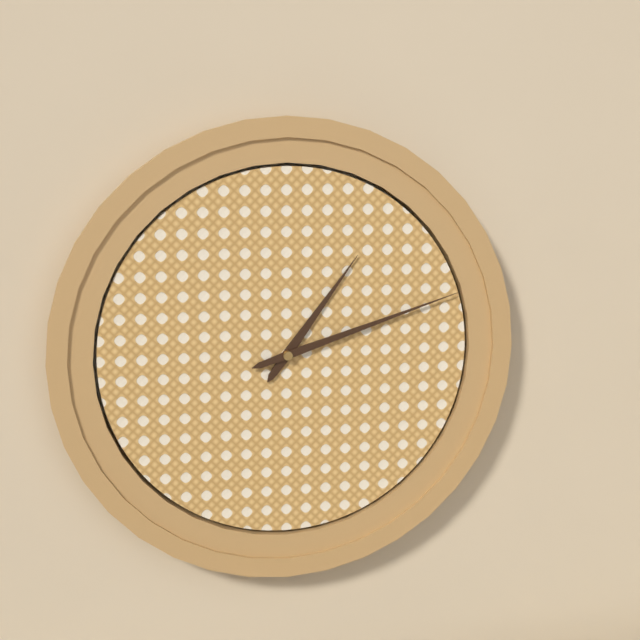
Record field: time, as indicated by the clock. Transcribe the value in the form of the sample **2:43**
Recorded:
**1:12**
